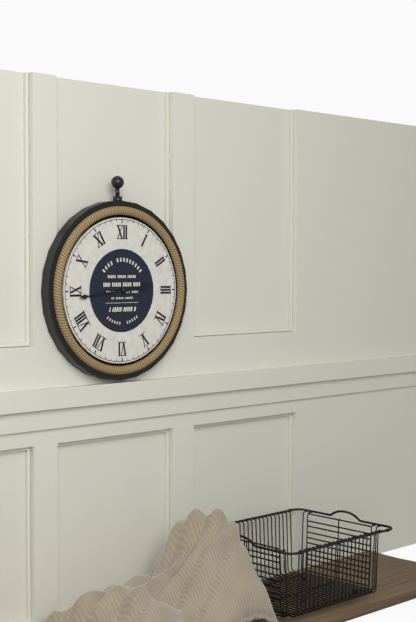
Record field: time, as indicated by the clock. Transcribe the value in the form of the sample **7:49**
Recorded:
**2:44**
